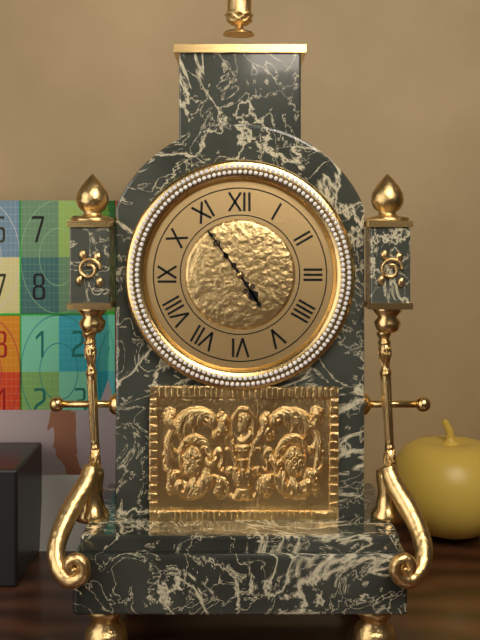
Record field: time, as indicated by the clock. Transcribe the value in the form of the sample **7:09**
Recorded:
**4:54**
